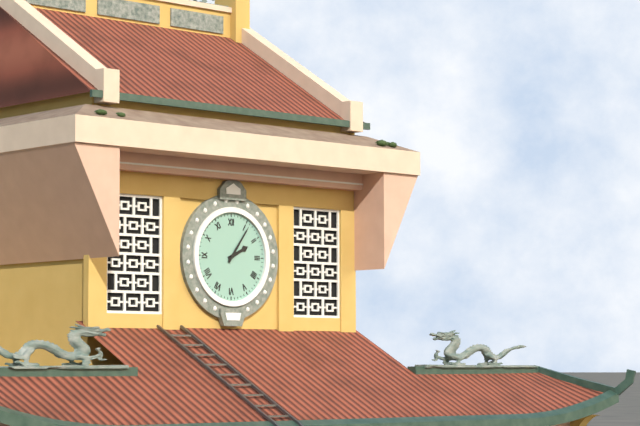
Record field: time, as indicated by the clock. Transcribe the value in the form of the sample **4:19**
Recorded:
**2:06**
